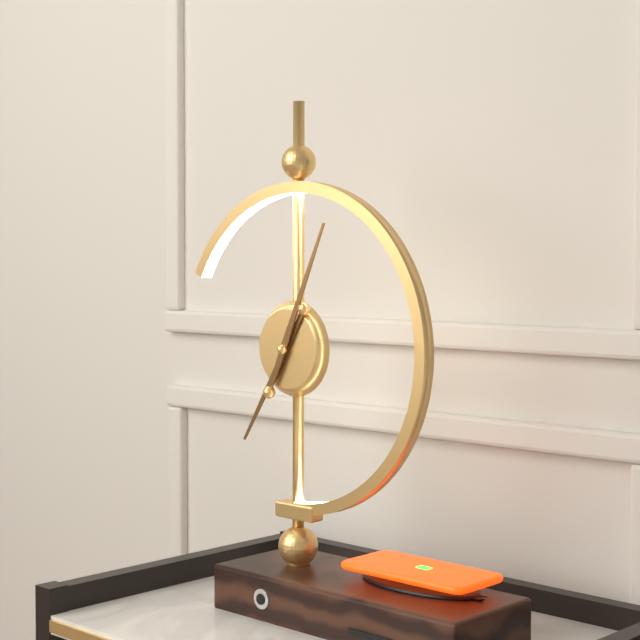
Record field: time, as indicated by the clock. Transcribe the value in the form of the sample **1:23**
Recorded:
**7:04**
